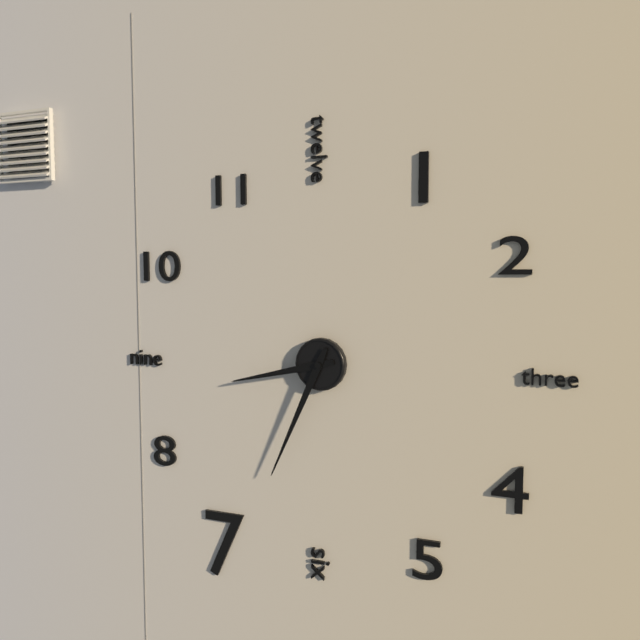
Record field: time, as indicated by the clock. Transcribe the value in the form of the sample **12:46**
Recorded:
**8:34**
